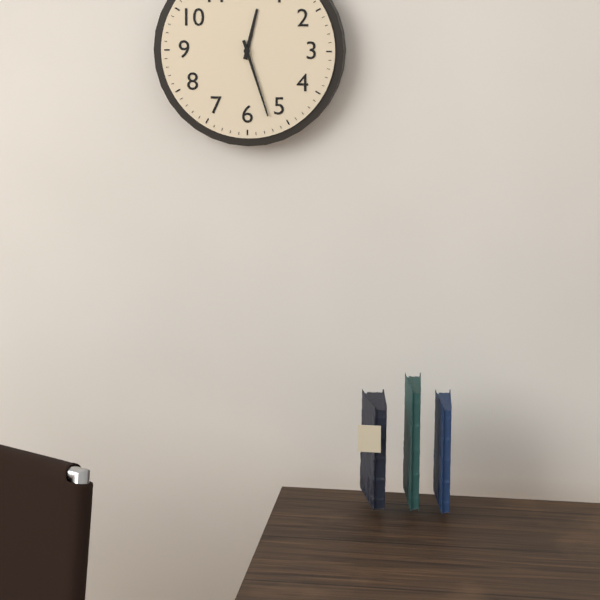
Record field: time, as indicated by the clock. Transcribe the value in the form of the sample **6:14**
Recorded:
**12:27**
